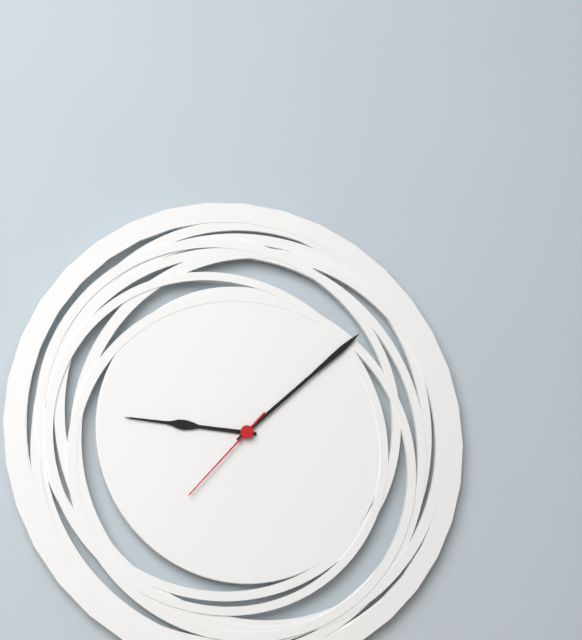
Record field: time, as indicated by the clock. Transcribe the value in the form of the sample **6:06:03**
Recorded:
**9:08:37**
